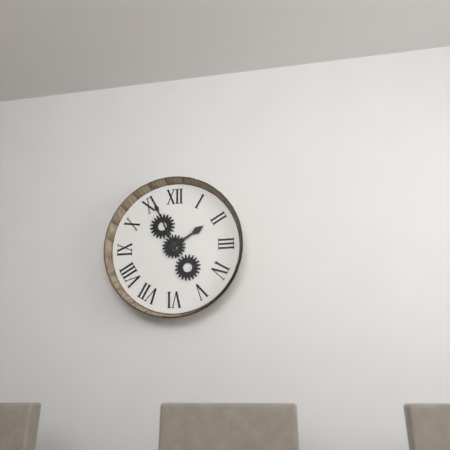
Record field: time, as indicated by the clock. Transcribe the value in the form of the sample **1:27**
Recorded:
**1:56**
